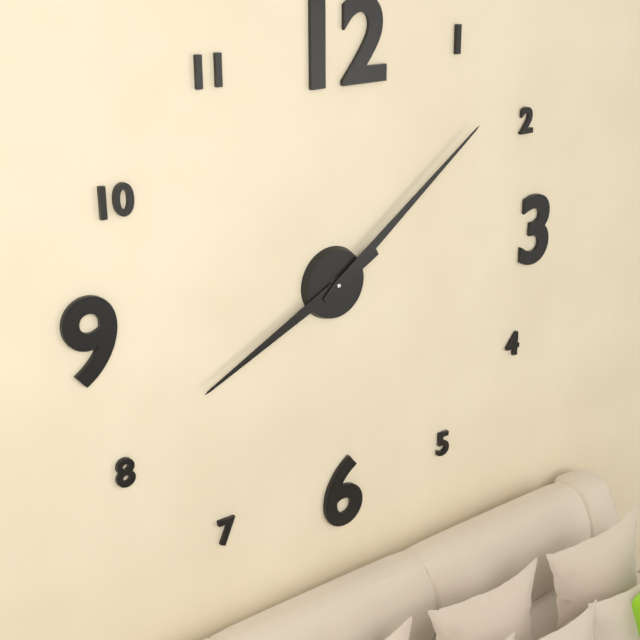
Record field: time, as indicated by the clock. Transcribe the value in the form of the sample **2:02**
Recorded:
**8:09**
